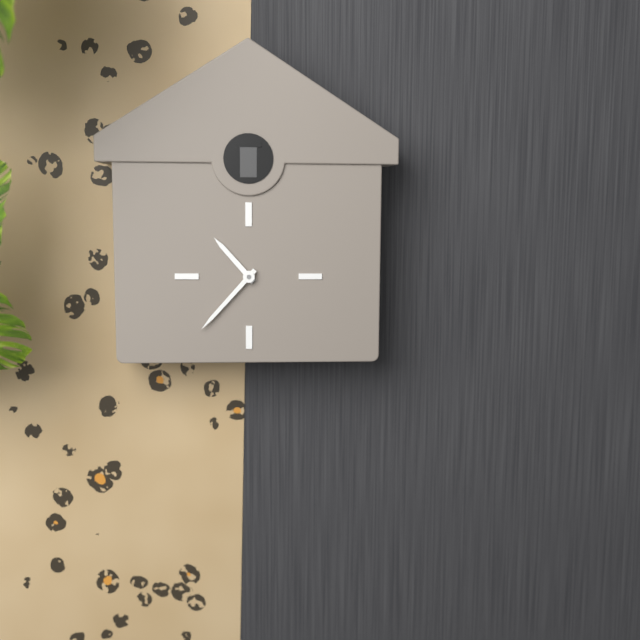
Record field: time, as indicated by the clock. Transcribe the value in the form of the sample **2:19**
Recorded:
**10:37**
